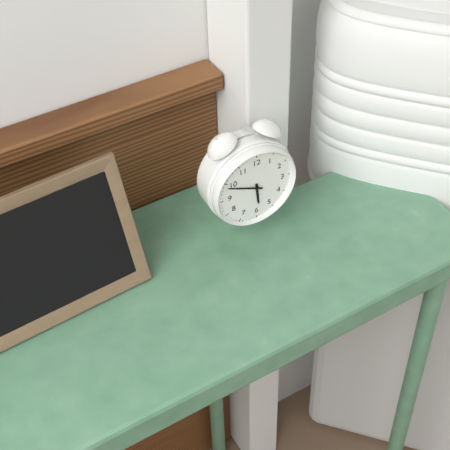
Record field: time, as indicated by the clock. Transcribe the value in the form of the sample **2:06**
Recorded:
**5:49**
